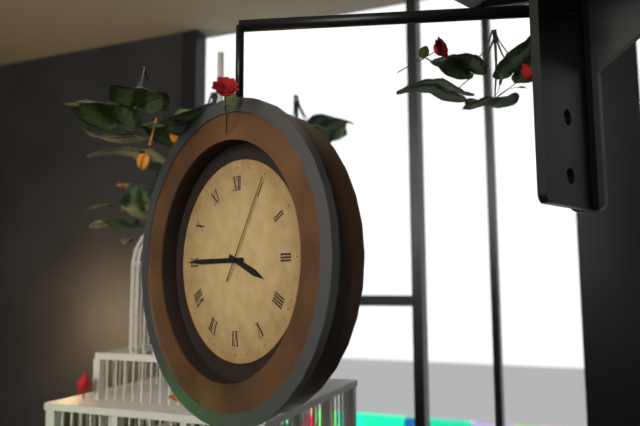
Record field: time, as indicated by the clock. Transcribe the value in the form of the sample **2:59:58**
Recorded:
**3:45:05**
